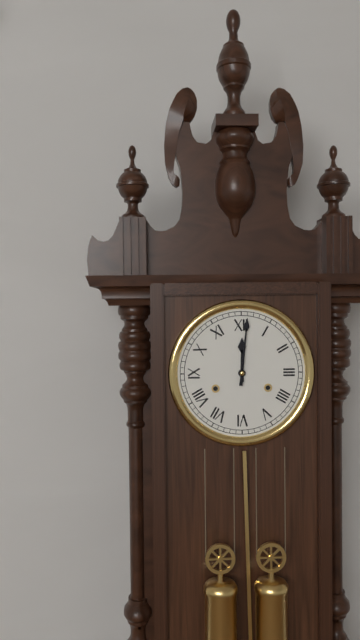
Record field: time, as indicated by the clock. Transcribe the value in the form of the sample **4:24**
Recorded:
**12:01**
